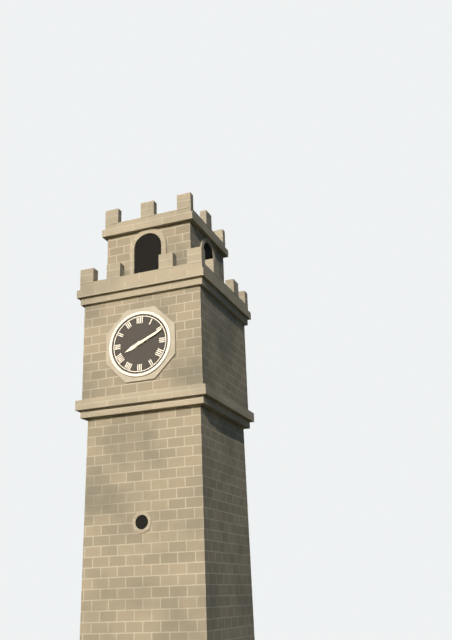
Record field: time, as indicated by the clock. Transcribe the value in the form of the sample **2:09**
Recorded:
**8:11**
